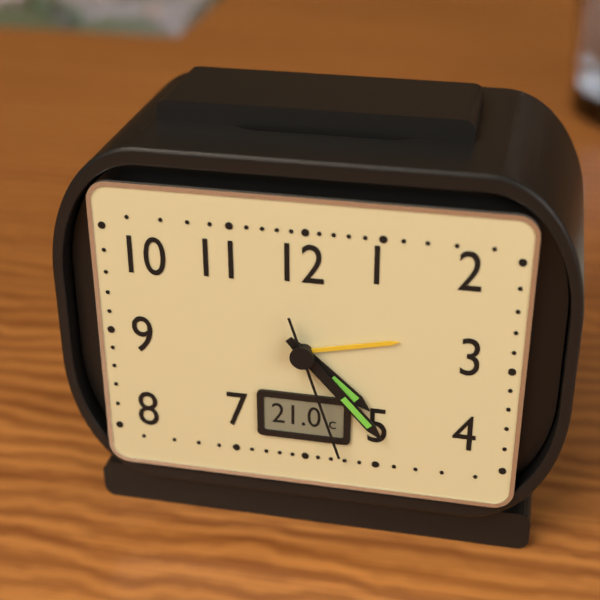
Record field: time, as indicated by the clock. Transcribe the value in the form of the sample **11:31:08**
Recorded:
**4:23:27**
